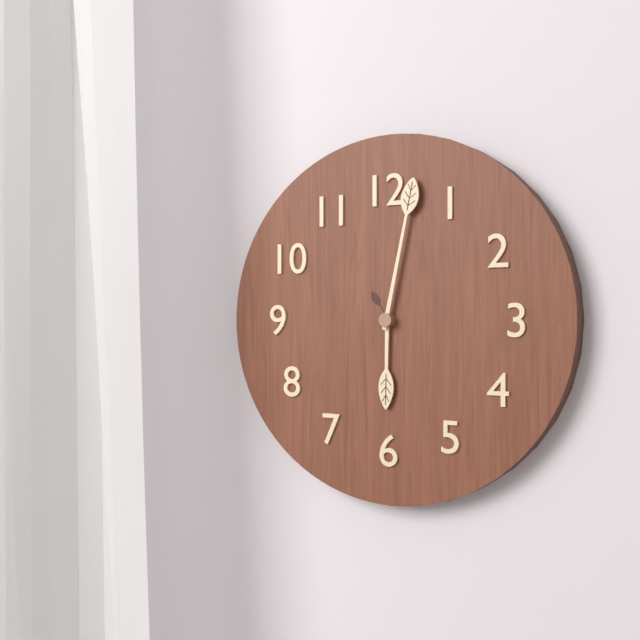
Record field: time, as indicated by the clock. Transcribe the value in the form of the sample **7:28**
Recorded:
**6:02**
